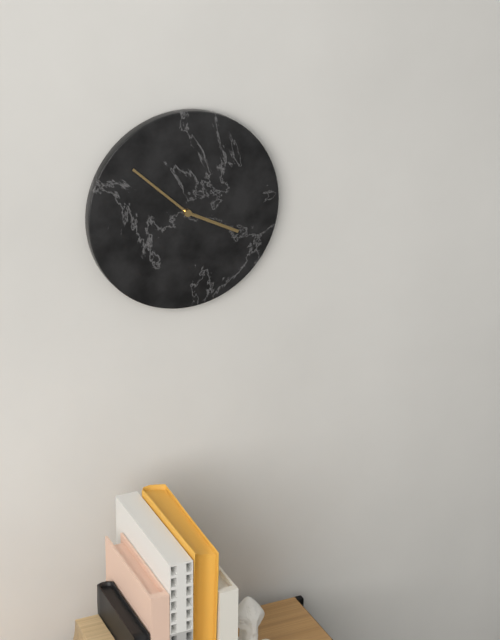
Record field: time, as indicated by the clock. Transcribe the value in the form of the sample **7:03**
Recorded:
**3:52**
